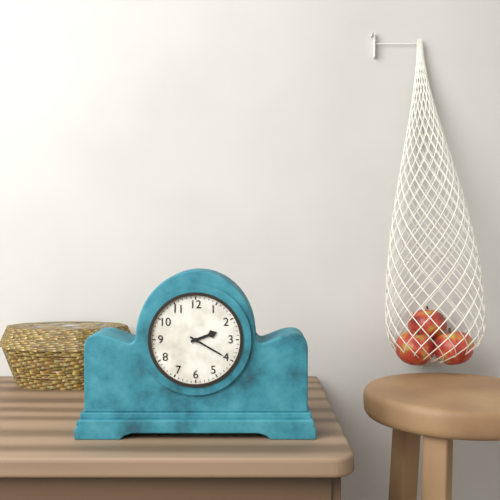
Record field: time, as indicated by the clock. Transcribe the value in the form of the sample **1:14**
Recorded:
**2:20**
